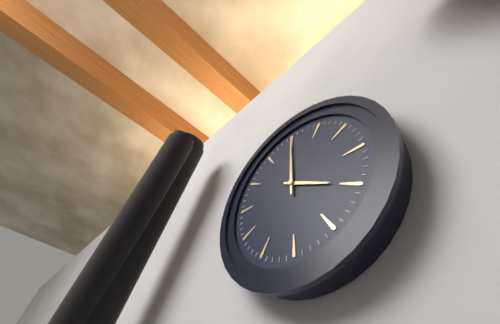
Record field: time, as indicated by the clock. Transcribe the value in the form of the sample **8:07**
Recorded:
**4:00**
